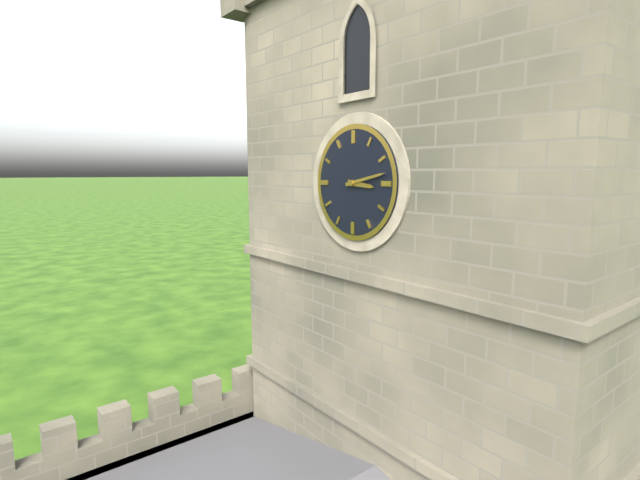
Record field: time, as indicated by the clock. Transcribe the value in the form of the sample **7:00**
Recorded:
**3:13**
